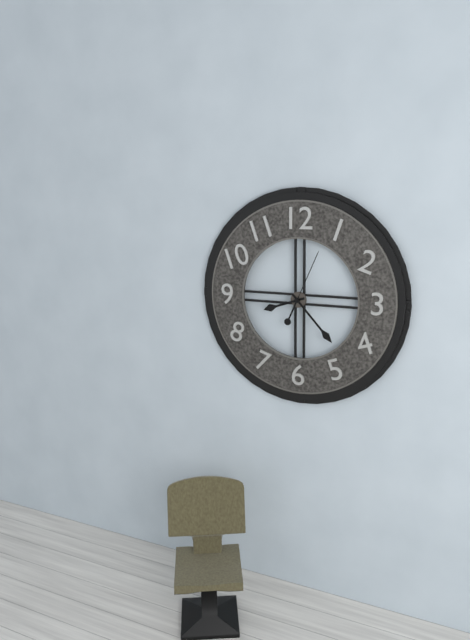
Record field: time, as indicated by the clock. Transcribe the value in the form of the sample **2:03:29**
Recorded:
**8:23:04**
